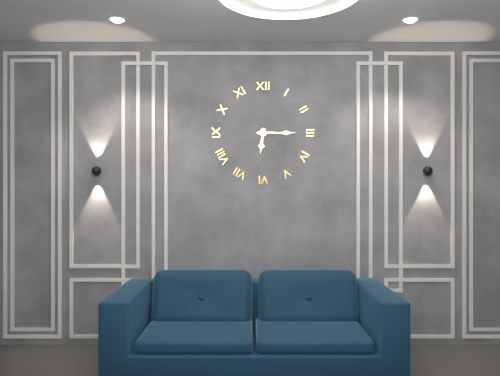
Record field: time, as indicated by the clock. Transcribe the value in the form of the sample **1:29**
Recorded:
**6:15**
